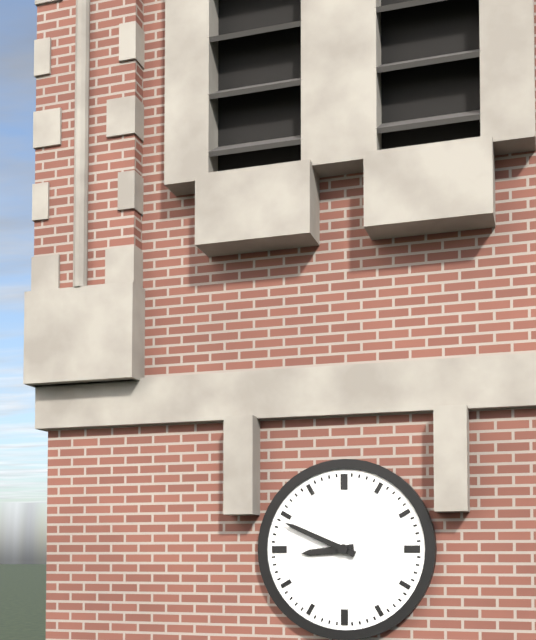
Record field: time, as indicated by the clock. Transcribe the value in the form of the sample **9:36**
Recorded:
**8:49**
